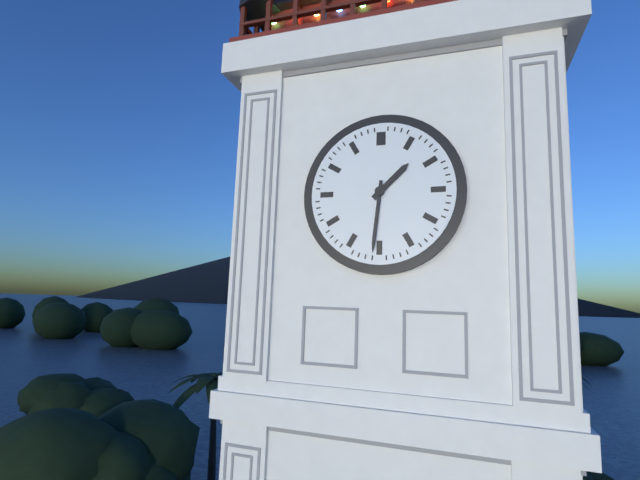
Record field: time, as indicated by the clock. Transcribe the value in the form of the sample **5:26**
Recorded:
**1:31**
